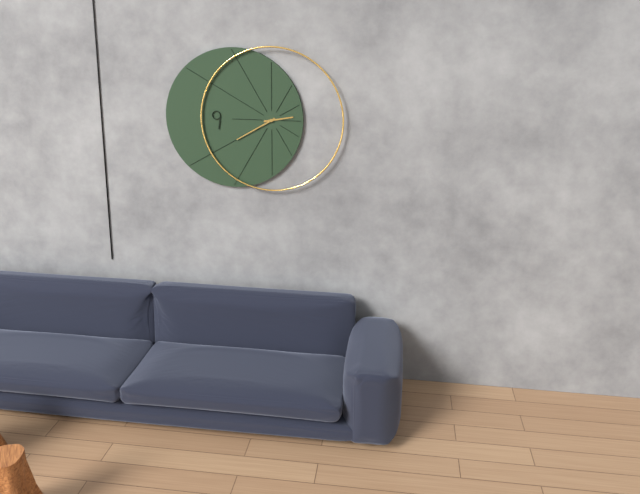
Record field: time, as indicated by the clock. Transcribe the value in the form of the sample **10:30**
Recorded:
**2:40**
